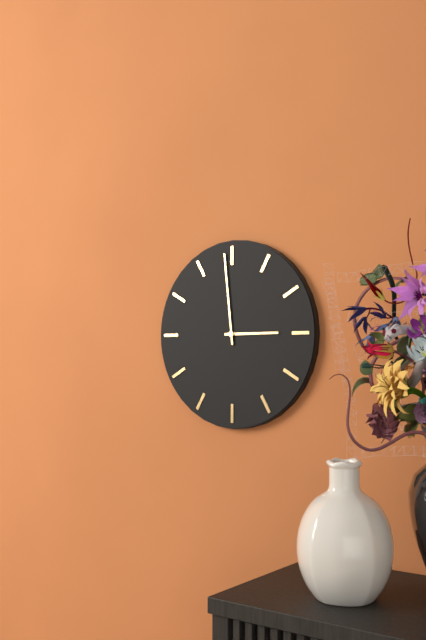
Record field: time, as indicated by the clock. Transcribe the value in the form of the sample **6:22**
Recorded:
**2:59**
